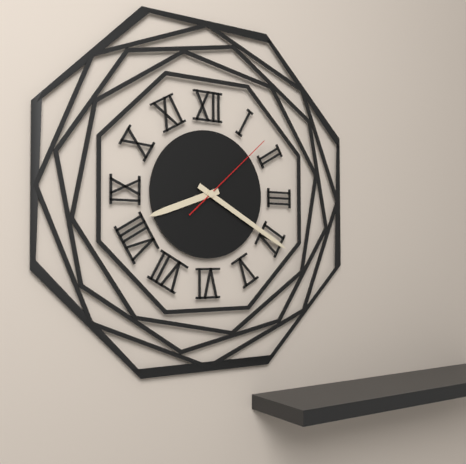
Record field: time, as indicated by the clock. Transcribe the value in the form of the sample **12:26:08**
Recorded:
**8:20:08**
